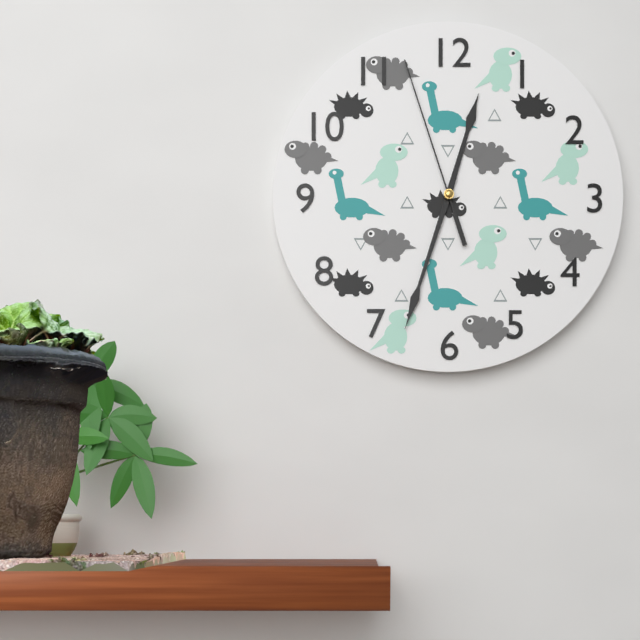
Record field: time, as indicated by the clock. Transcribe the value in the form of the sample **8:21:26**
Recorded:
**12:33:57**
